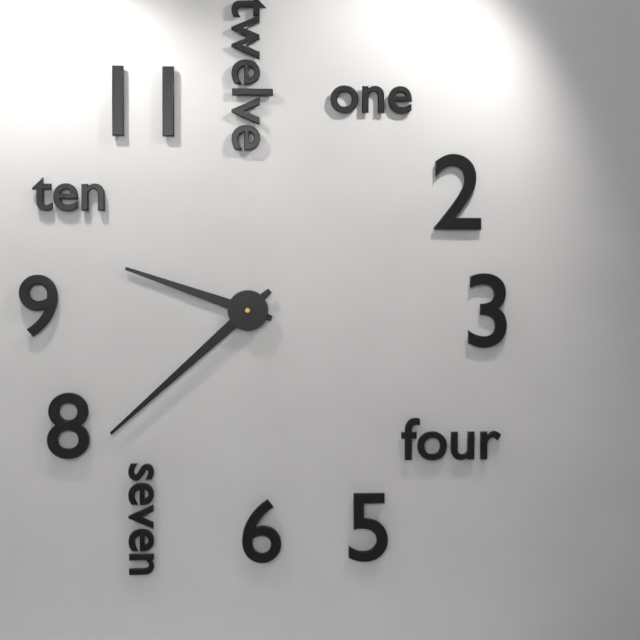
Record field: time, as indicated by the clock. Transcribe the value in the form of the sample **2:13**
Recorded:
**9:38**
